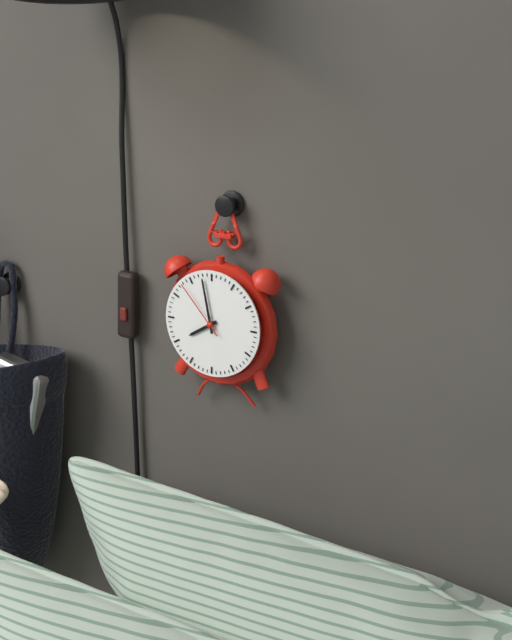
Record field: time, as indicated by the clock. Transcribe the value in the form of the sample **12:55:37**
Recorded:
**7:58:53**
